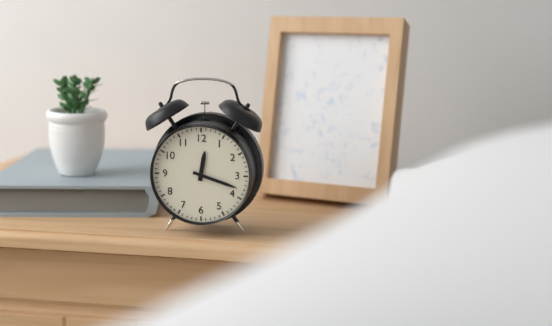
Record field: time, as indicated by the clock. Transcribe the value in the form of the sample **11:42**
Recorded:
**12:18**
